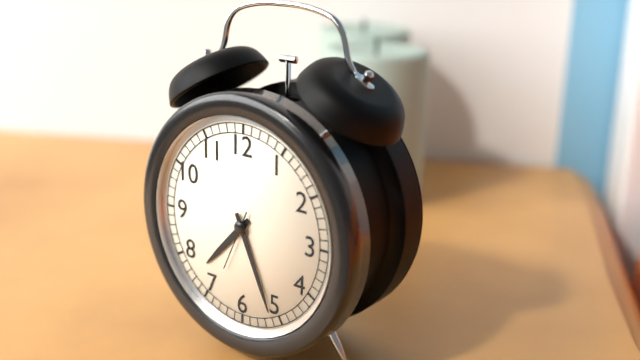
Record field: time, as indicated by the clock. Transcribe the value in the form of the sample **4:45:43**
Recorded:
**7:26:34**
